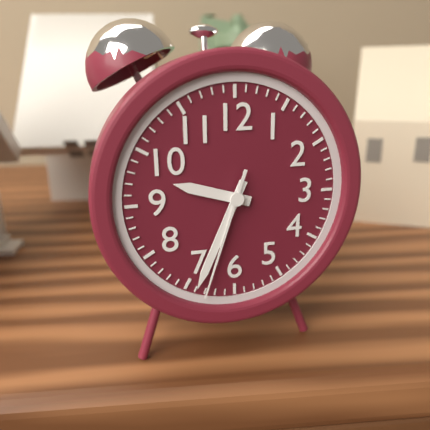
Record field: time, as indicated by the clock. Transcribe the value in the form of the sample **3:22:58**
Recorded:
**9:34:33**
